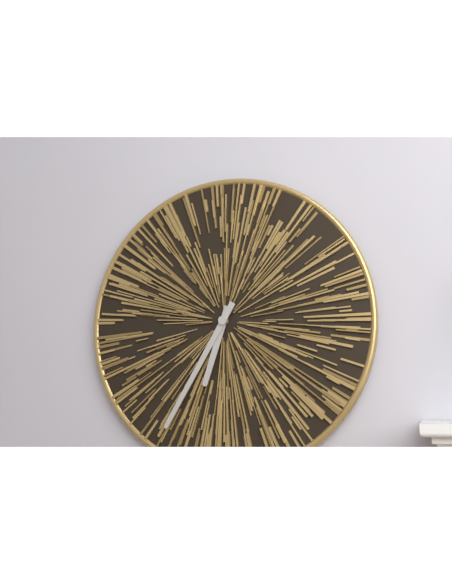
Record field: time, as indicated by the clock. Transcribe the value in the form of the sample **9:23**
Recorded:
**6:35**
